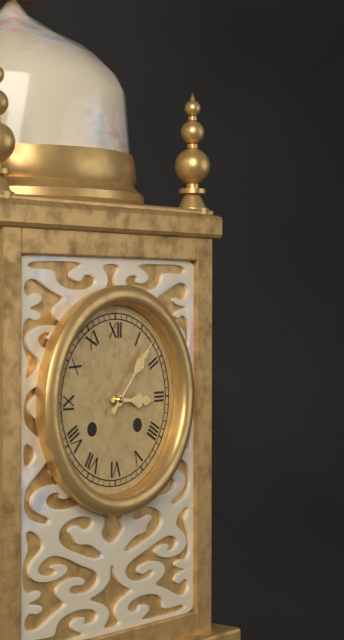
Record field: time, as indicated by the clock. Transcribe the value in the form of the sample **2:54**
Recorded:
**3:07**
